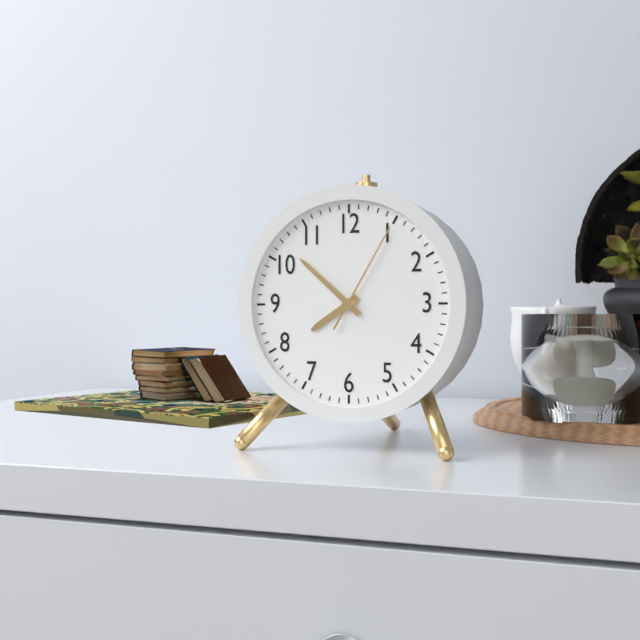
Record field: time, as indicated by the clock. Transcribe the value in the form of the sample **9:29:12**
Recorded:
**7:52:05**
